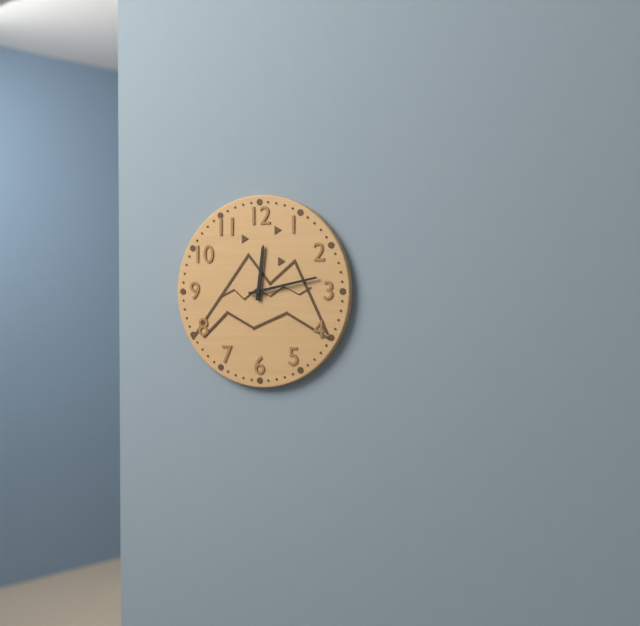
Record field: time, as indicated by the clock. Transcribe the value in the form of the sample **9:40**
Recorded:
**12:13**
